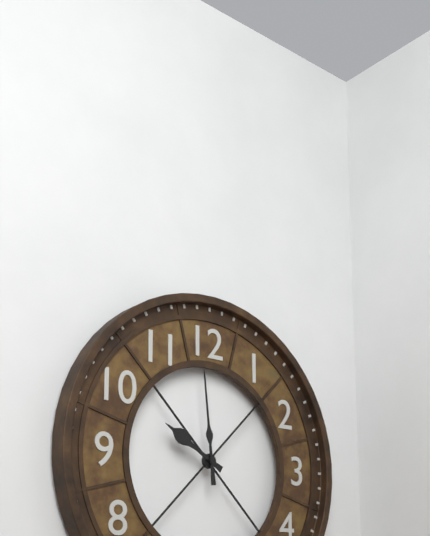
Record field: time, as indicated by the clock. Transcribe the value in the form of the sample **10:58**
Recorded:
**9:59**
